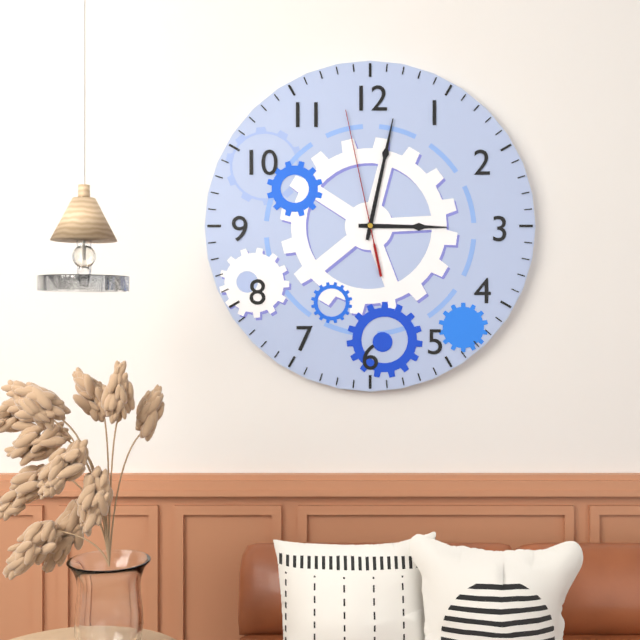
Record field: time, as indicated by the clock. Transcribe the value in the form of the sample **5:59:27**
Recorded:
**3:02:58**
